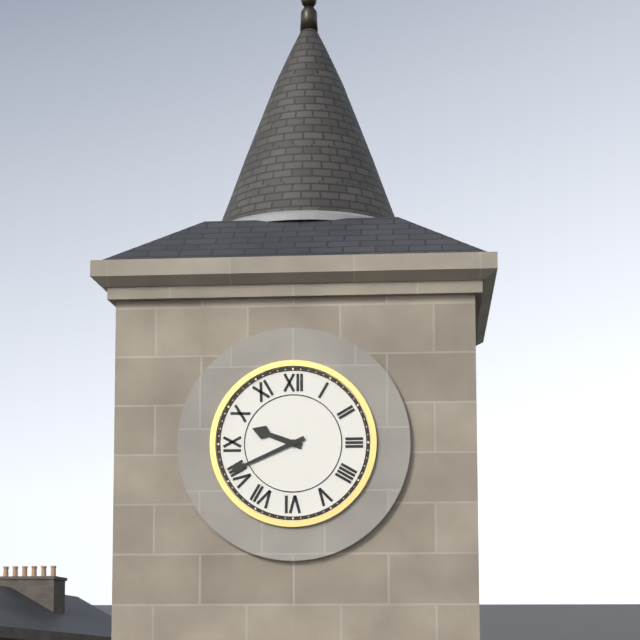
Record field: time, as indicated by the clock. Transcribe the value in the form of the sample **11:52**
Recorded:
**9:41**
